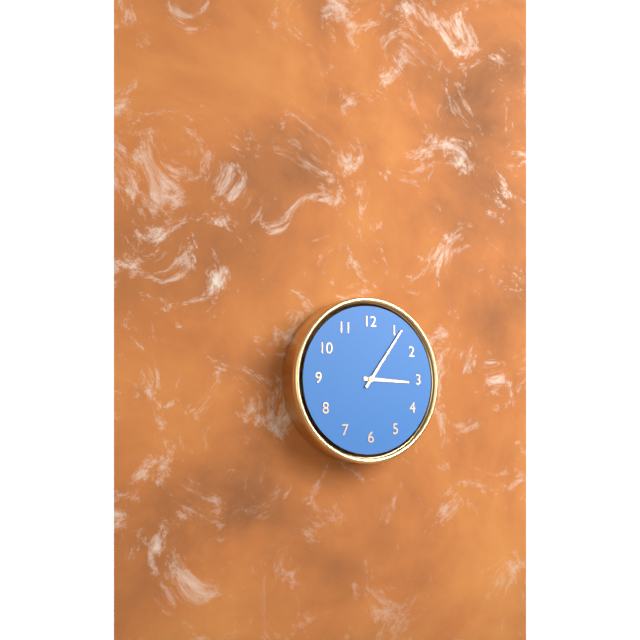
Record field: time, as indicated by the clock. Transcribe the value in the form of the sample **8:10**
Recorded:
**3:06**
